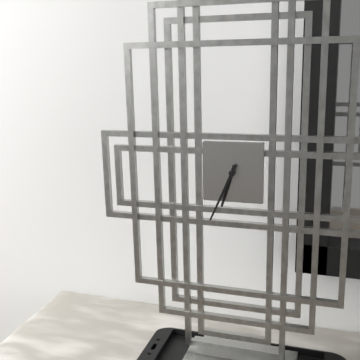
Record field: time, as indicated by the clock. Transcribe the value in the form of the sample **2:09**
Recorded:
**6:34**
